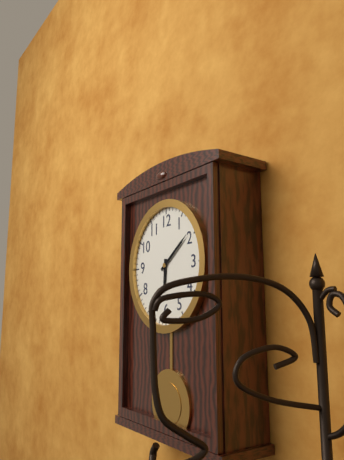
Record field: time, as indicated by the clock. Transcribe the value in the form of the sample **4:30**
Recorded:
**6:09**
